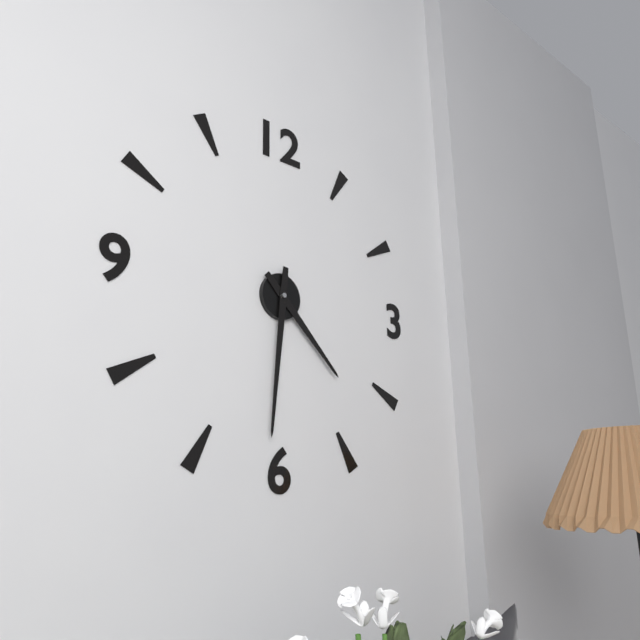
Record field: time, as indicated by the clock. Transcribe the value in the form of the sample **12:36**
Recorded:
**4:31**
